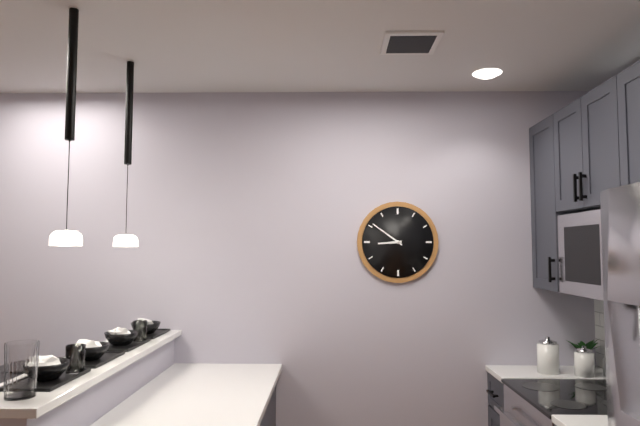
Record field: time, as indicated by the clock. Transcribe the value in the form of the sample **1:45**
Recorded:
**8:51**
